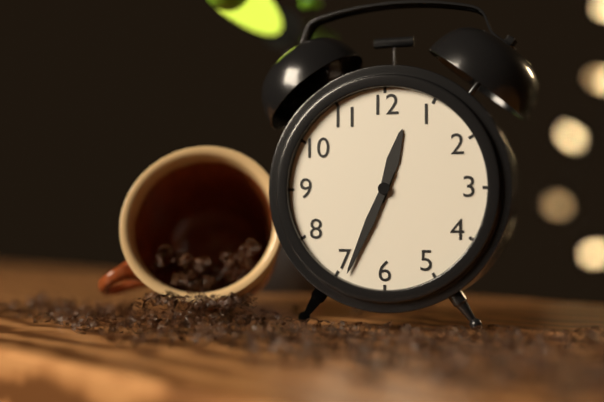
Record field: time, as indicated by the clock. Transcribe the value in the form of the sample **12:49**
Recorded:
**12:34**
